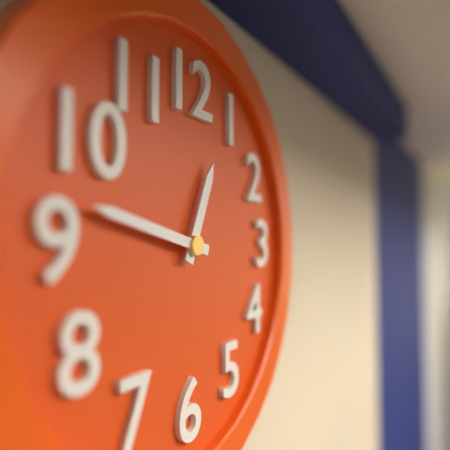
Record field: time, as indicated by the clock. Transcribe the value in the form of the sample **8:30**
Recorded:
**12:47**
